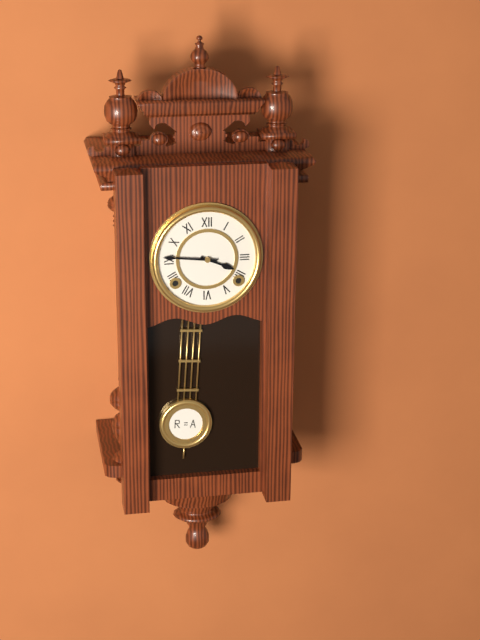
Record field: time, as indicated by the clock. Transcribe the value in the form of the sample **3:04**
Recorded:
**3:46**
